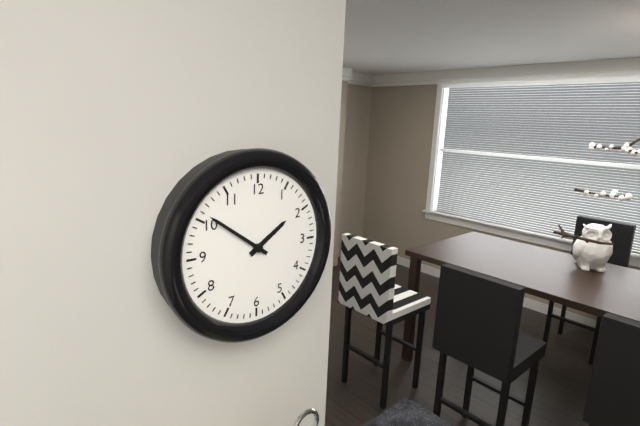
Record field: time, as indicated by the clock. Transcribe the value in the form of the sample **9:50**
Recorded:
**1:51**
